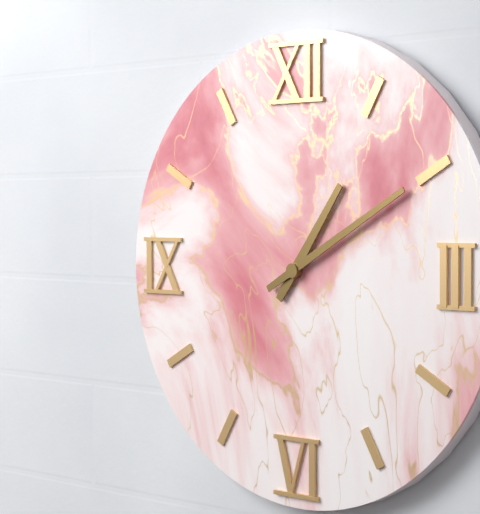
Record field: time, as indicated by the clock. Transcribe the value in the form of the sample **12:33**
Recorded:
**1:10**
